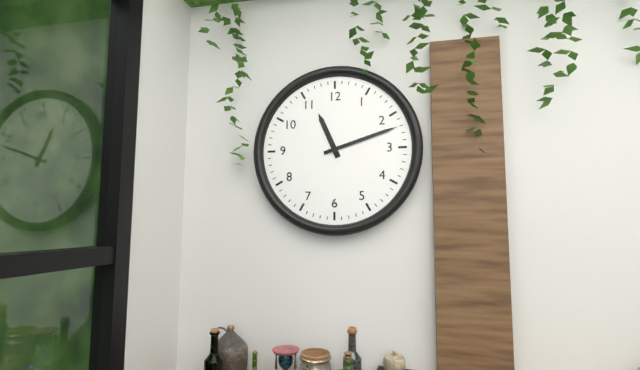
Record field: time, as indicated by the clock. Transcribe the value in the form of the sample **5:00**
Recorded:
**11:12**
